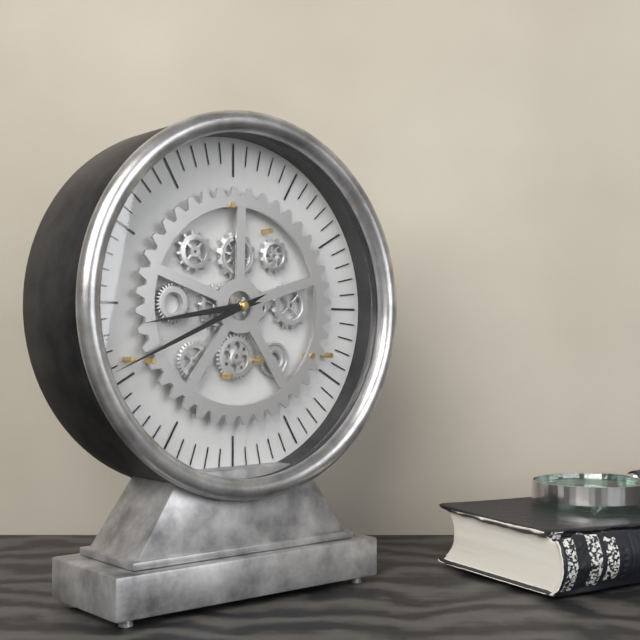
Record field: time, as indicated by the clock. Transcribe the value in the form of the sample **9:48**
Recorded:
**8:41**
